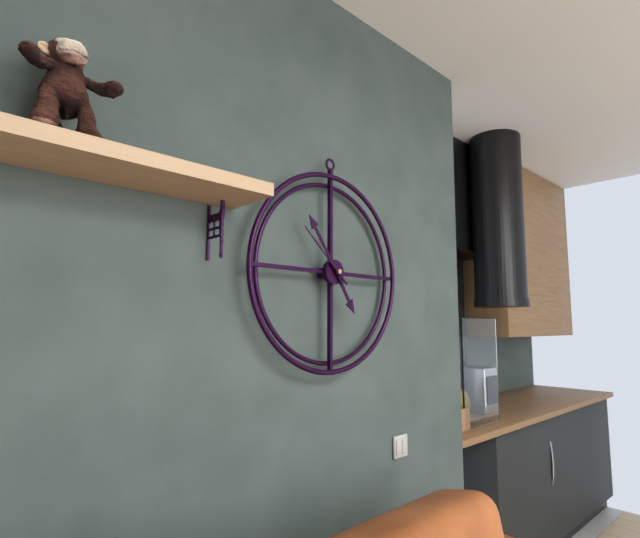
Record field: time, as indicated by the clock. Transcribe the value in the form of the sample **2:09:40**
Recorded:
**4:54:52**
